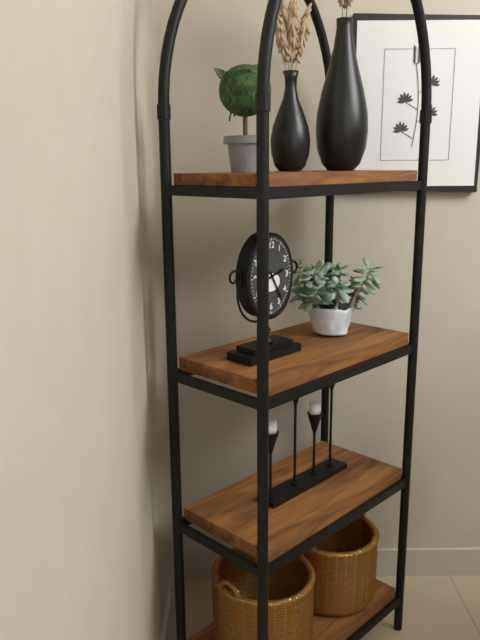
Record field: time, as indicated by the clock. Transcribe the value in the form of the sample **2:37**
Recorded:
**2:25**
